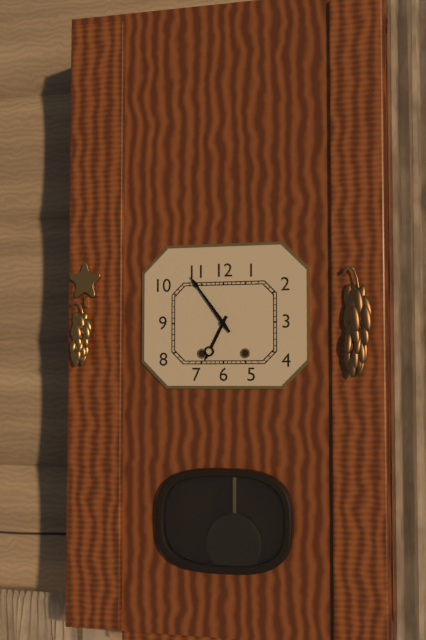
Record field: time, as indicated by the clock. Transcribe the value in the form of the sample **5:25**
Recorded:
**6:54**
